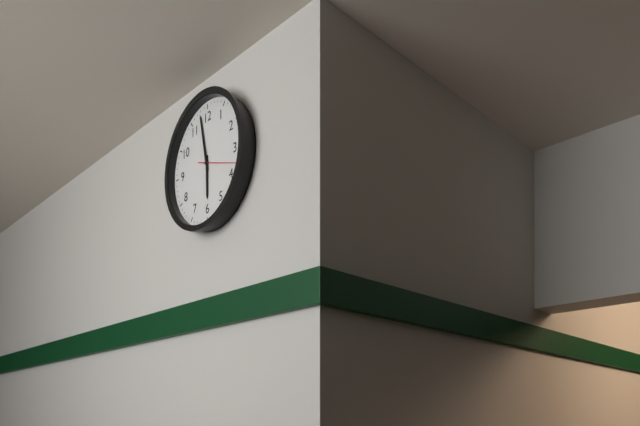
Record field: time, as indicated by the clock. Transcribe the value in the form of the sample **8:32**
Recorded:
**5:58**
